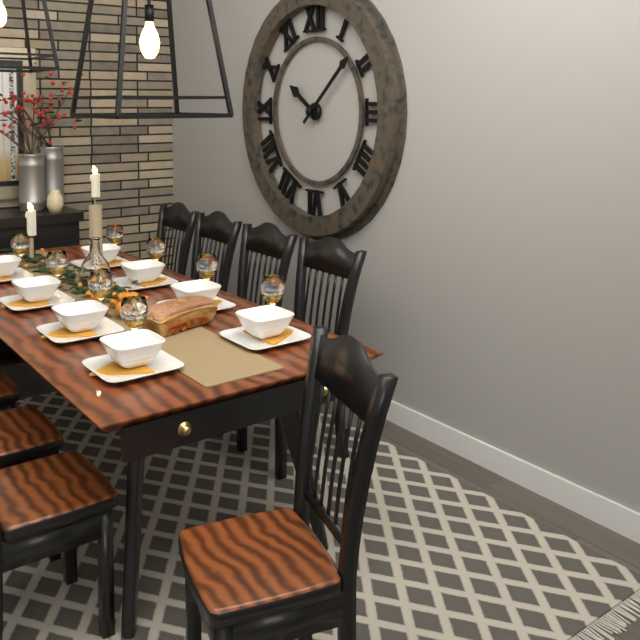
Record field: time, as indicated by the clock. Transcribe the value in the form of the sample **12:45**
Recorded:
**10:08**
